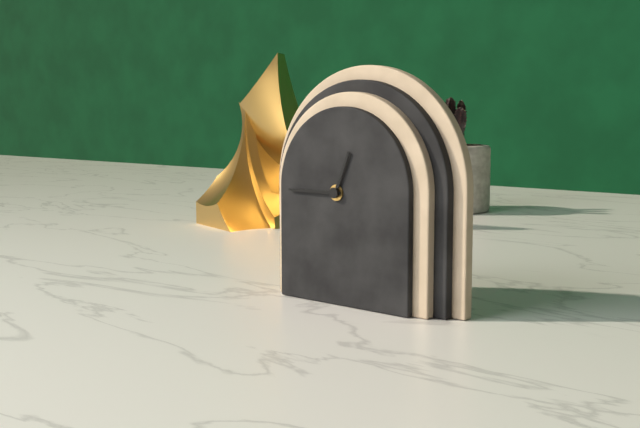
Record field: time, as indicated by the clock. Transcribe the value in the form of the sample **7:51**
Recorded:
**12:45**
